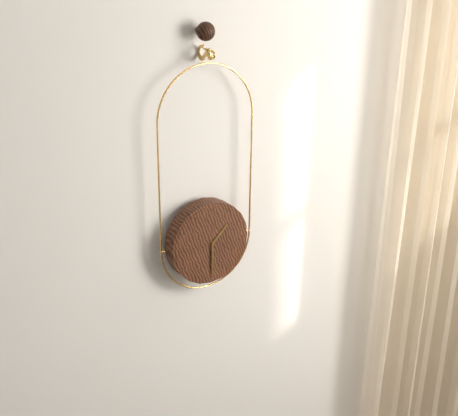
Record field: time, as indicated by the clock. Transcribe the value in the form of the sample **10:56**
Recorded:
**1:30**
